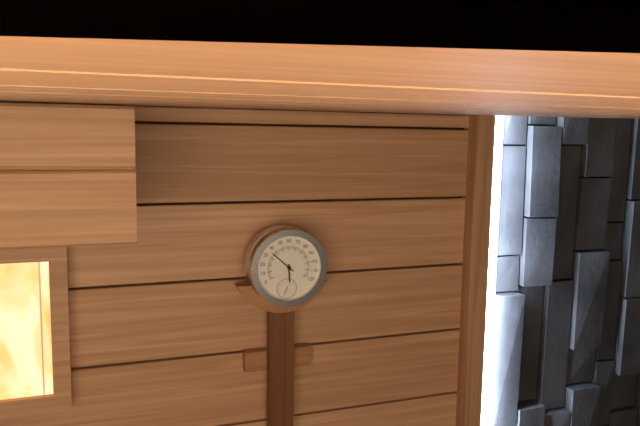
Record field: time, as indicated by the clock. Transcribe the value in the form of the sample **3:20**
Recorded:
**5:52**
